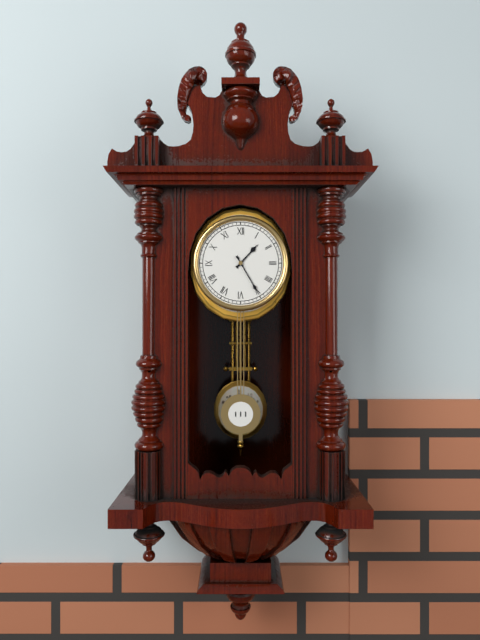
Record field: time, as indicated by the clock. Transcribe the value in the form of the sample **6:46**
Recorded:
**1:25**
